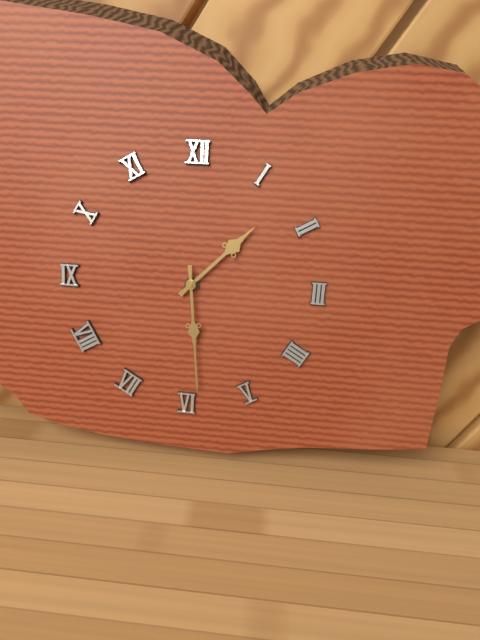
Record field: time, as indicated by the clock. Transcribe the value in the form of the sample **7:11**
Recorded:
**1:29**
